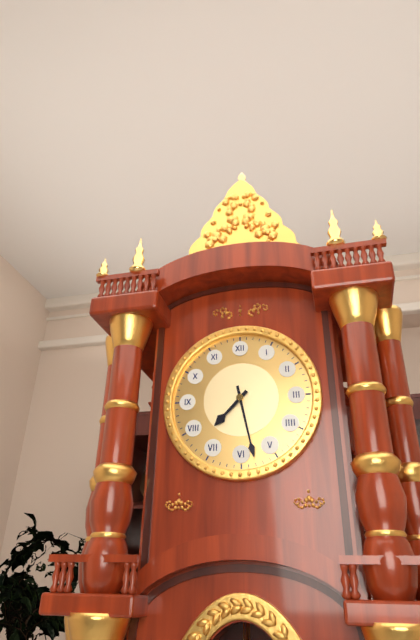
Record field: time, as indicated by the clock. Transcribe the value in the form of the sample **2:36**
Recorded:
**7:28**
